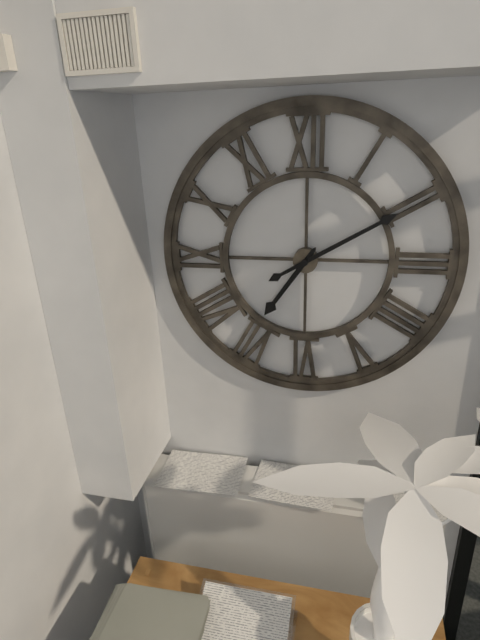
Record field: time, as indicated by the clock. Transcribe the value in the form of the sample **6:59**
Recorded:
**7:10**
